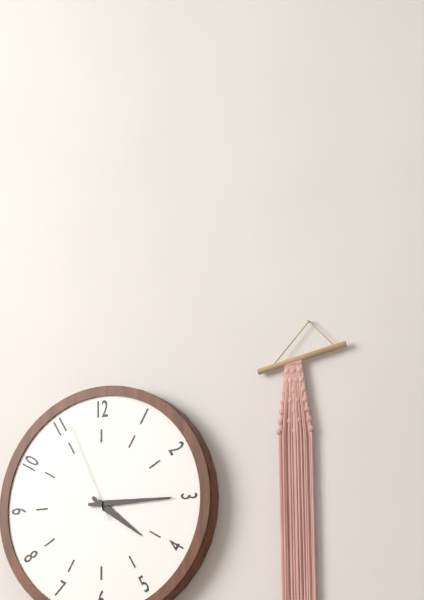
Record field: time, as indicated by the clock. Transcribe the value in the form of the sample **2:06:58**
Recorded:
**4:15:56**
